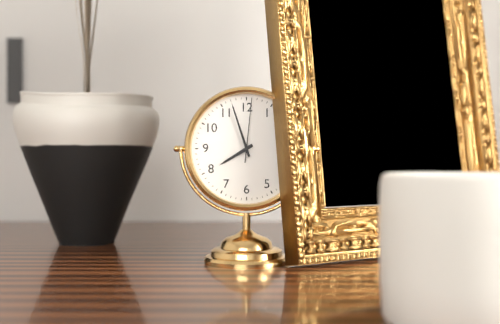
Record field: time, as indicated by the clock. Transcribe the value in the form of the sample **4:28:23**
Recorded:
**7:57:01**
